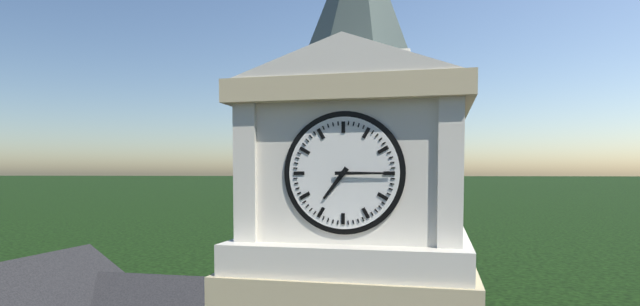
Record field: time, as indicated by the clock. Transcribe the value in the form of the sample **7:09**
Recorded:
**7:15**
